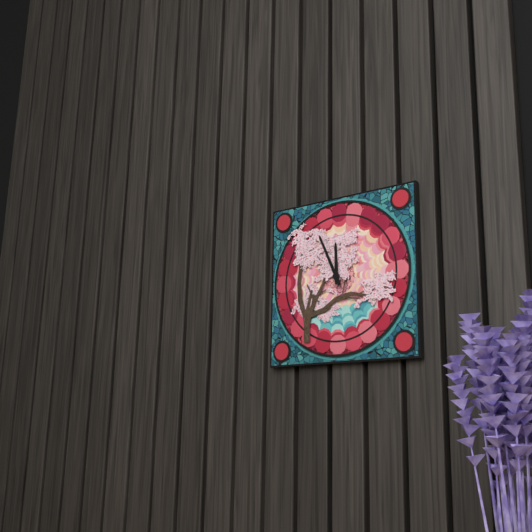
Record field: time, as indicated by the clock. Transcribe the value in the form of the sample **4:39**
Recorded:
**11:56**
